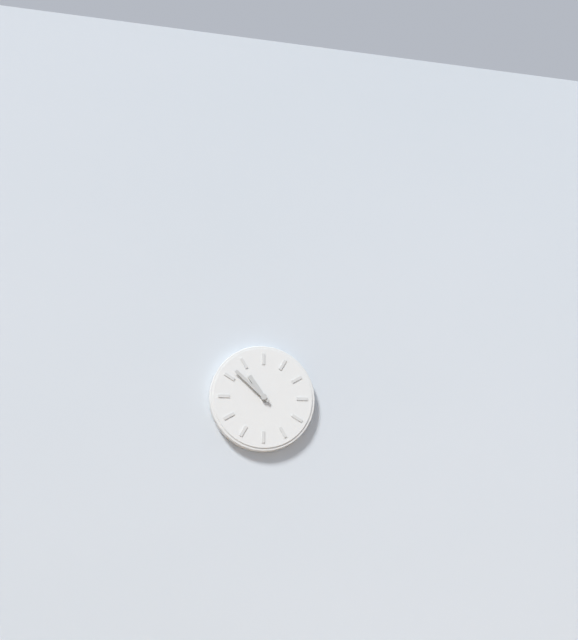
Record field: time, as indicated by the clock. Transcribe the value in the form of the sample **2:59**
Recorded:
**10:52**
